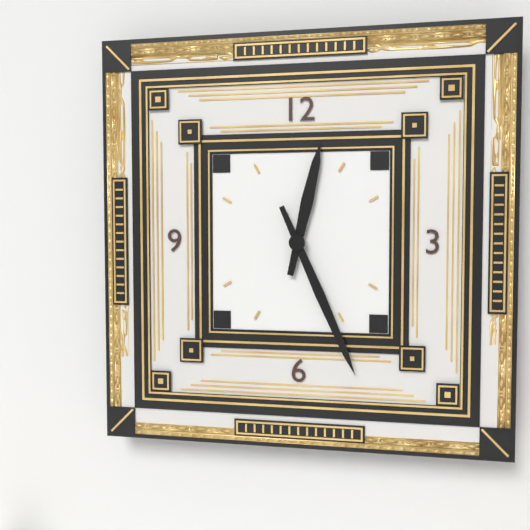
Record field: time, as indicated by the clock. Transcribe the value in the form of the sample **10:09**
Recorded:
**12:26**
